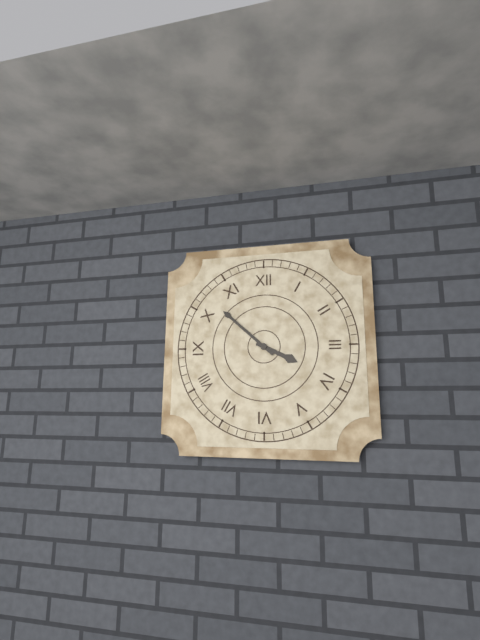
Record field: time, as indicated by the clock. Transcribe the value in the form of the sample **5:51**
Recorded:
**3:52**
